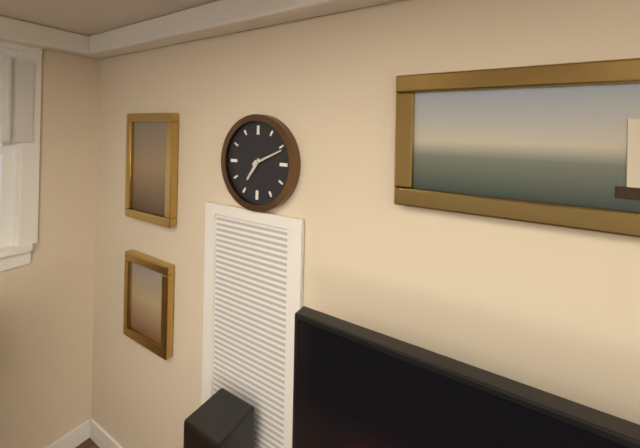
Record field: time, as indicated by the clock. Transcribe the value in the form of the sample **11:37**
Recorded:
**7:11**
